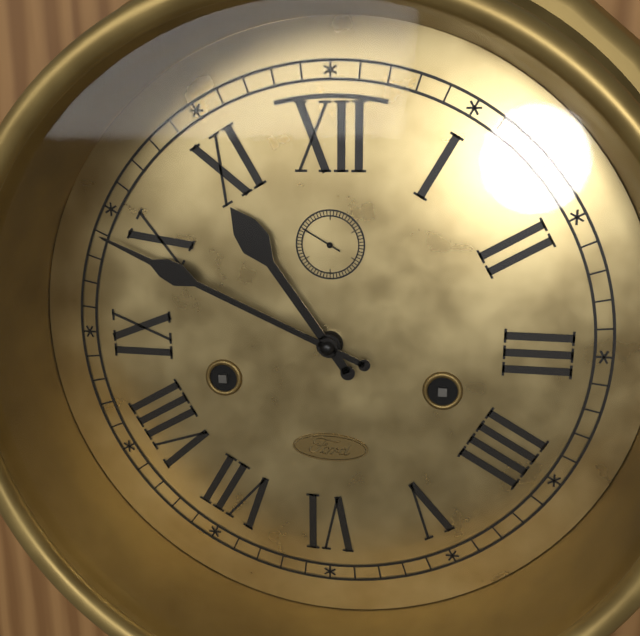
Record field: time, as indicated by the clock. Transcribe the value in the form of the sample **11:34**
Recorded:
**10:49**
